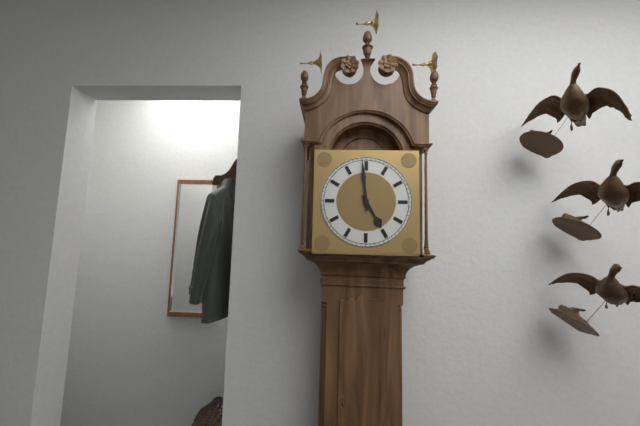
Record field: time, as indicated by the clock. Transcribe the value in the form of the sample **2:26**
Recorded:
**4:59**
